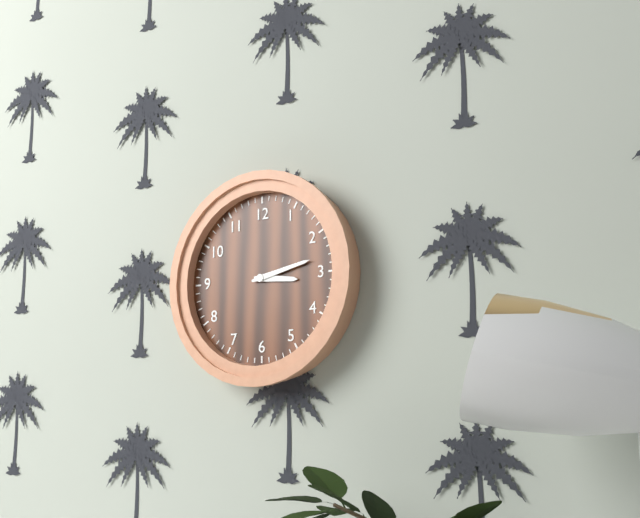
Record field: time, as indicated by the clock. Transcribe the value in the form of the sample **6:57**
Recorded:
**3:13**
